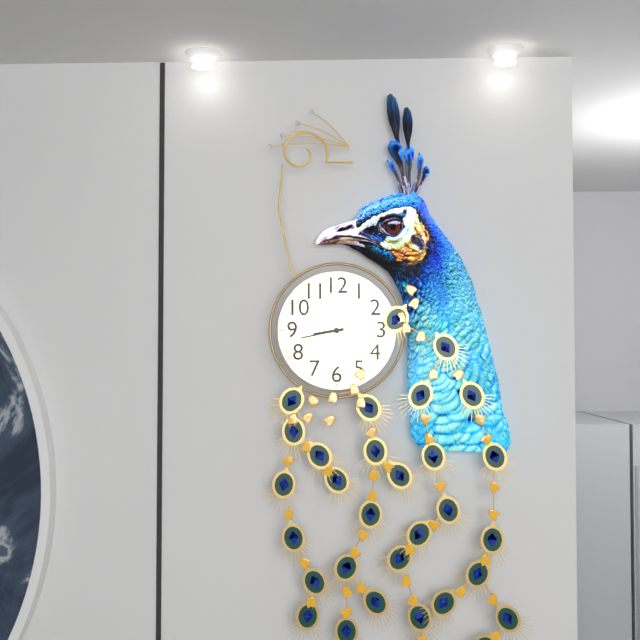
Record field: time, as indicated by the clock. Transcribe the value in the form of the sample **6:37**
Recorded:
**8:43**
